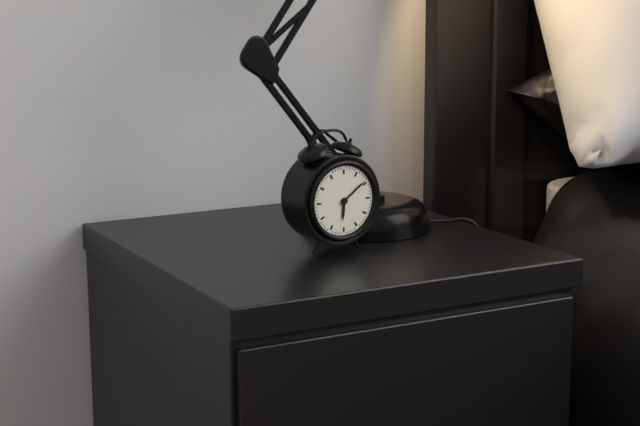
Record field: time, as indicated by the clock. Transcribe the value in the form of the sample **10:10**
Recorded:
**6:09**
